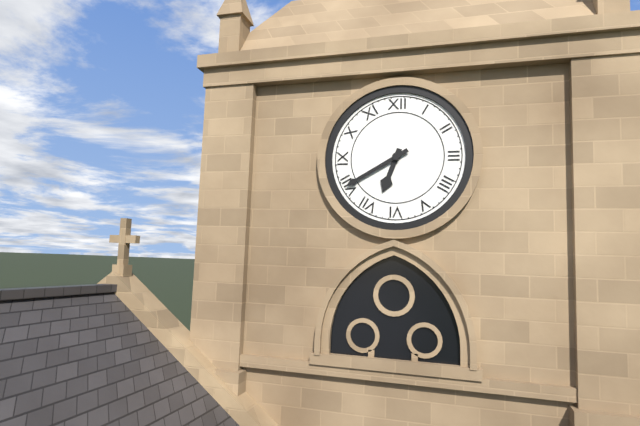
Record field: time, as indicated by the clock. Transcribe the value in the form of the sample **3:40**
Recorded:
**6:40**
